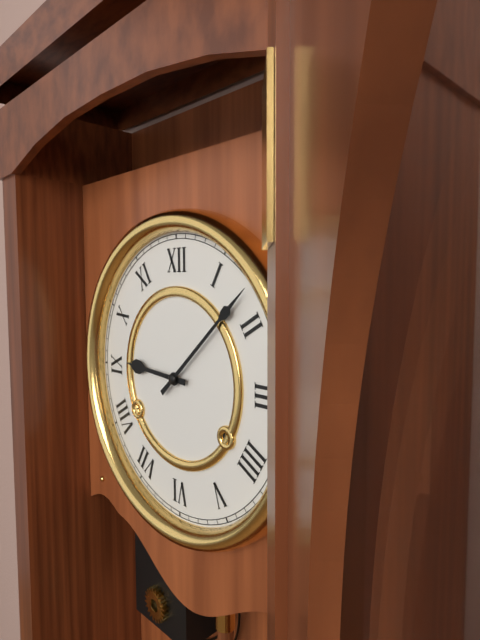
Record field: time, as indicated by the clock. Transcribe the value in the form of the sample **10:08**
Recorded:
**9:08**
